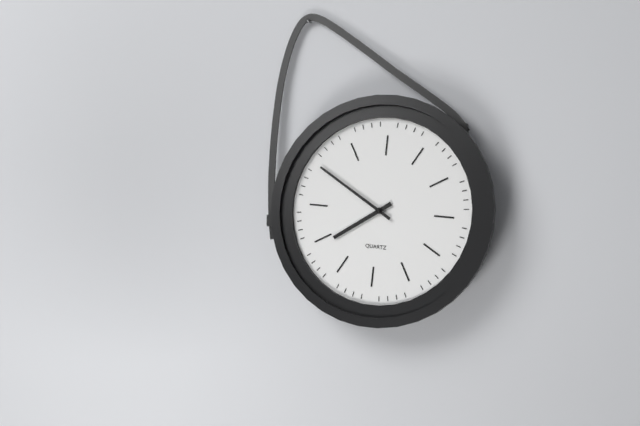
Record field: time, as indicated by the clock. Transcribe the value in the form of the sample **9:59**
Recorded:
**7:50**
